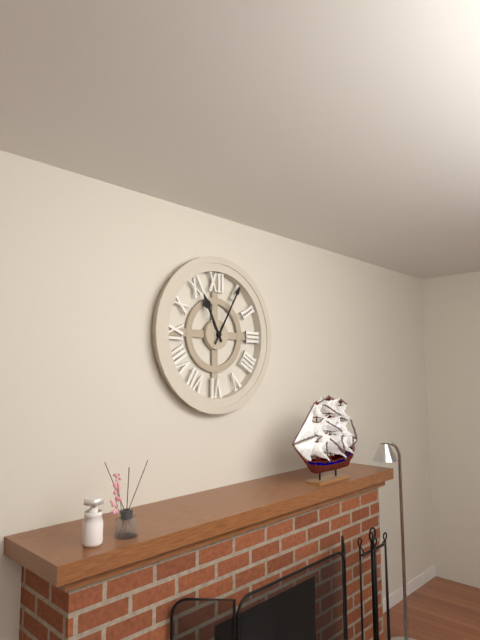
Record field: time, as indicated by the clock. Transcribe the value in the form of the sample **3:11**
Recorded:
**11:05**
